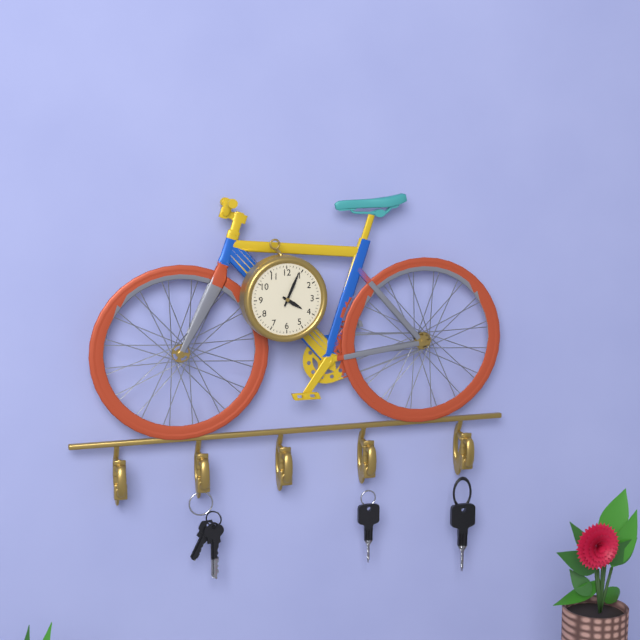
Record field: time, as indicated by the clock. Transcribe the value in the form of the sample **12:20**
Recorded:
**4:04**
